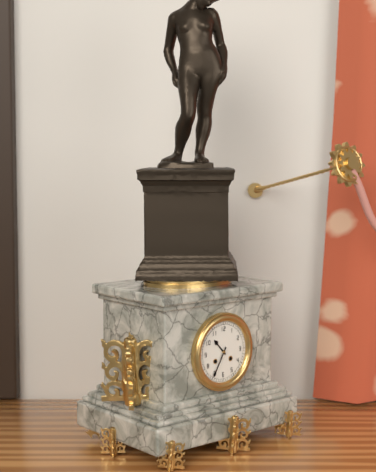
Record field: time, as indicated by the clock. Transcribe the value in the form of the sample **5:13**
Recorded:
**10:35**
